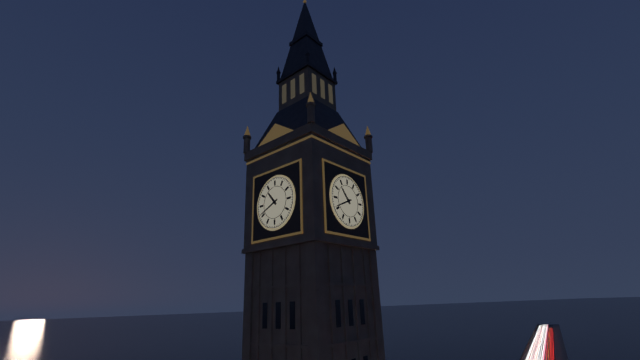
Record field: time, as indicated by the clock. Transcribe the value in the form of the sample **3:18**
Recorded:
**10:41**
